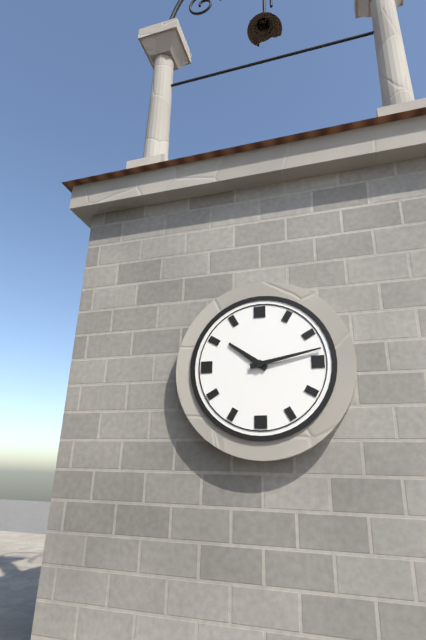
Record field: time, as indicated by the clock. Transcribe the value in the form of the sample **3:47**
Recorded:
**10:13**
